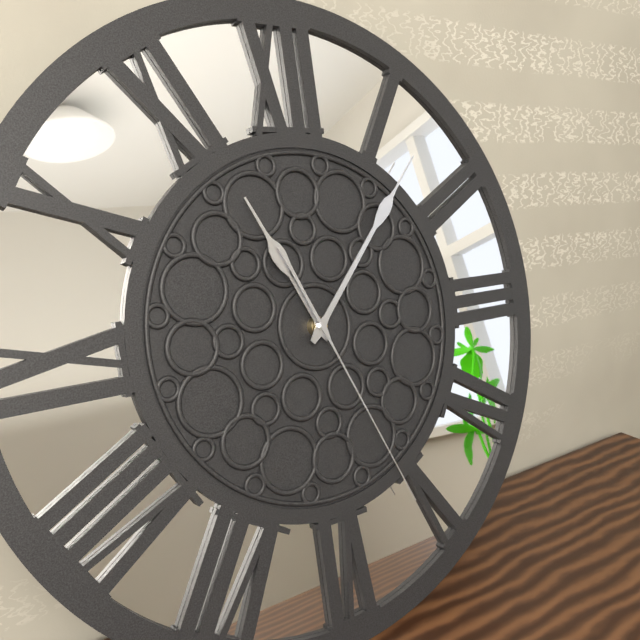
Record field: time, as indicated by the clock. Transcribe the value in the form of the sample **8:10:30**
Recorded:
**11:07:26**
